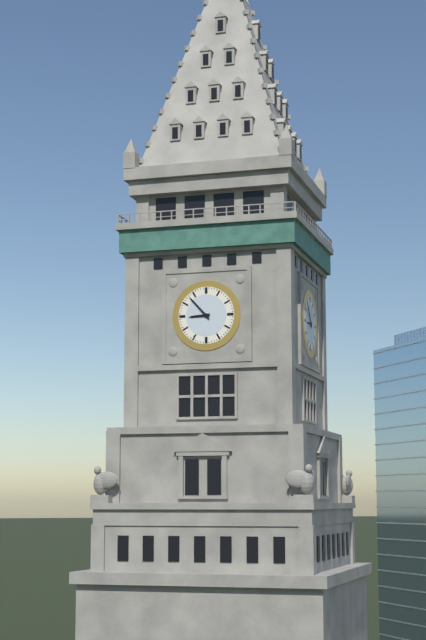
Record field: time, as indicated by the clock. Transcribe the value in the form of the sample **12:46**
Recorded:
**8:53**
